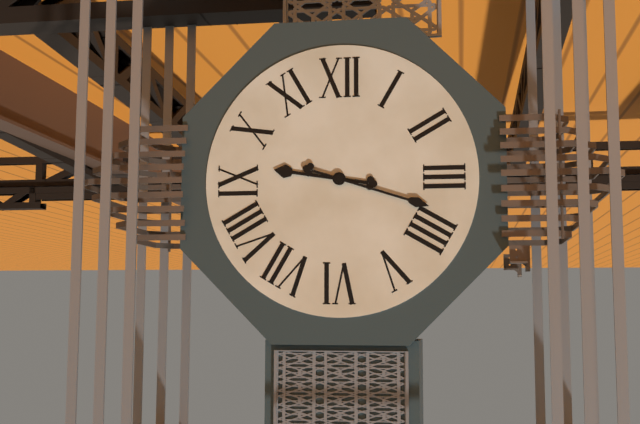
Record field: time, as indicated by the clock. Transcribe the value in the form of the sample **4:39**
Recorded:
**9:18**
